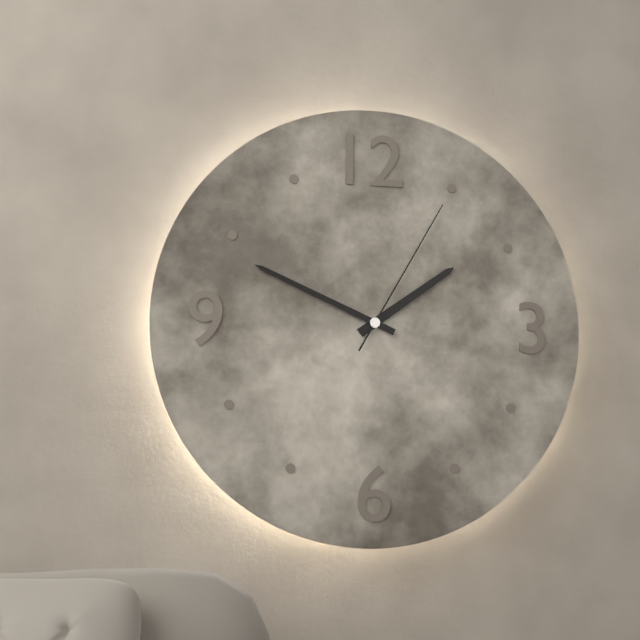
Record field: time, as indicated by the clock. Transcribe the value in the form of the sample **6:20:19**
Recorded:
**1:49:05**
